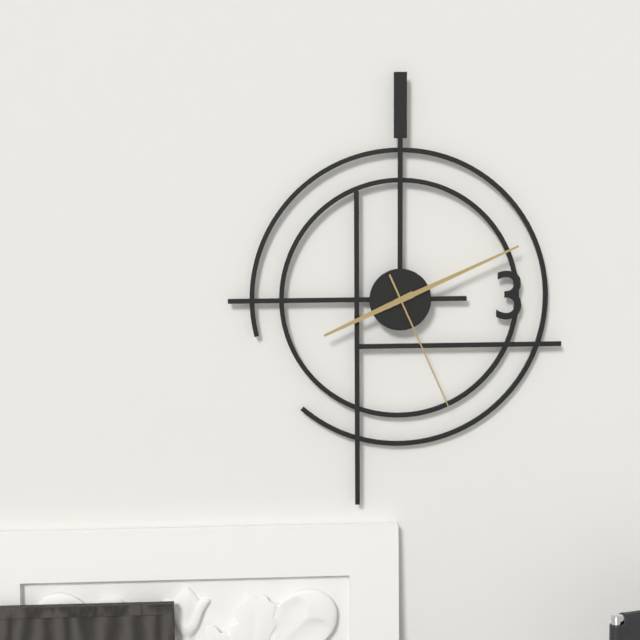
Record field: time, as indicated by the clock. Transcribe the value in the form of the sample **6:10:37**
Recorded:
**8:11:26**
